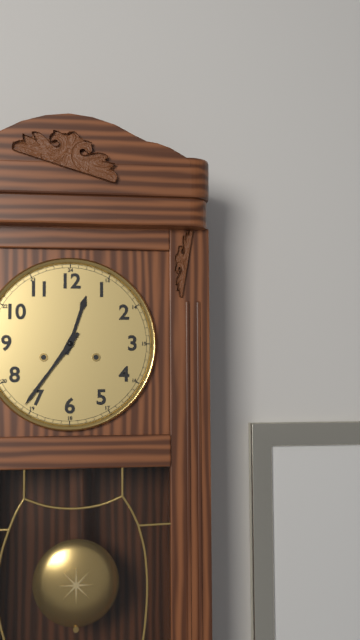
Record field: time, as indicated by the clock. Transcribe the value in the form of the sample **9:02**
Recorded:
**12:36**
